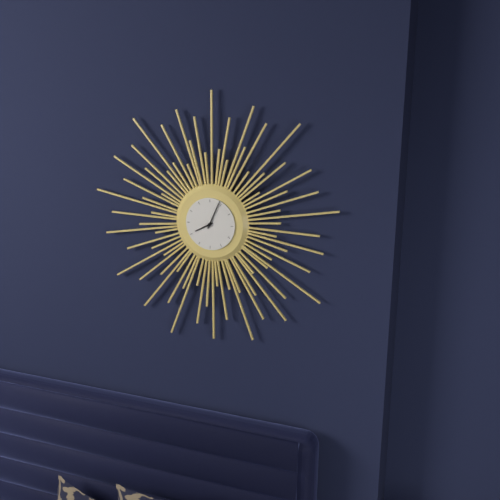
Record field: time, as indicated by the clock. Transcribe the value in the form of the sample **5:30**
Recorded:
**8:04**
